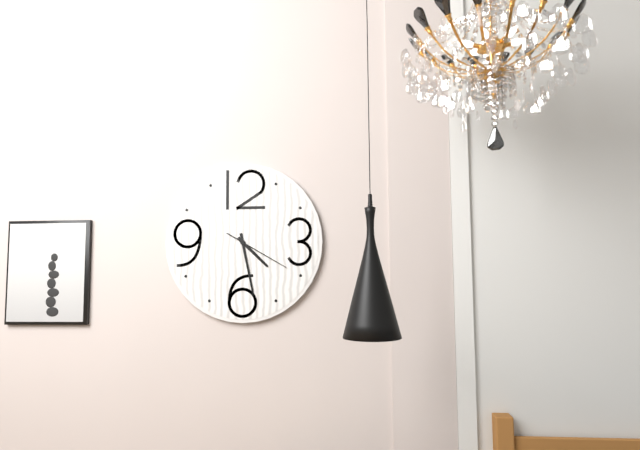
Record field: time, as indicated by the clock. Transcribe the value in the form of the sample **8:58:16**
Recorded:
**4:28:20**
